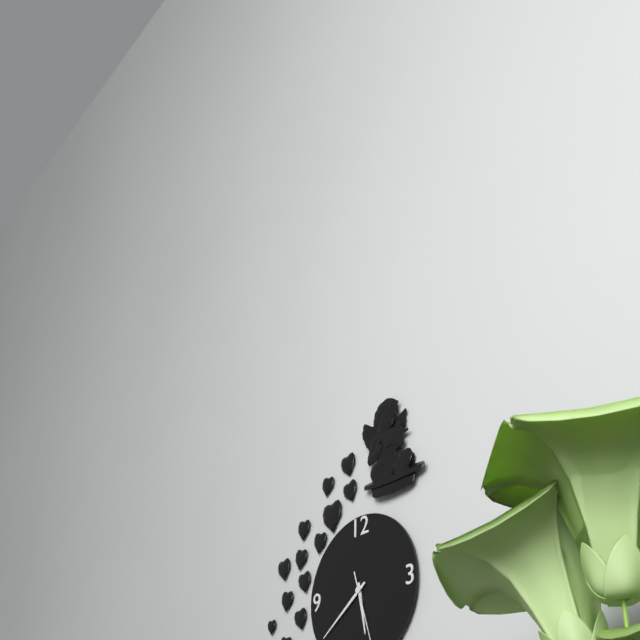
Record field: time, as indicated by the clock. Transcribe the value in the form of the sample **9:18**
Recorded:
**5:39**
